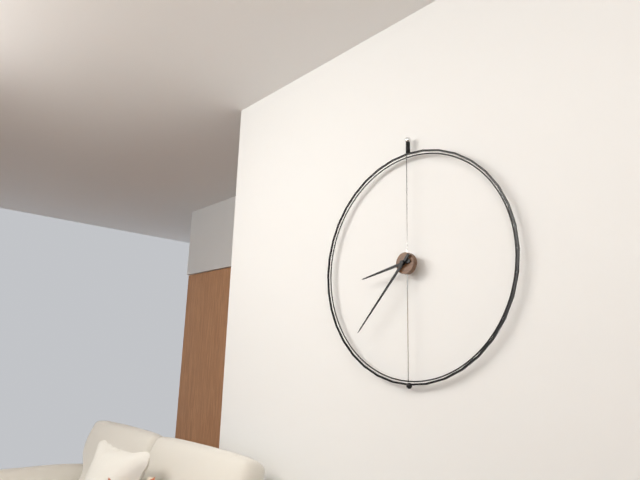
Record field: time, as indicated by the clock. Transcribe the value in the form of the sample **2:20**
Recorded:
**8:37**
